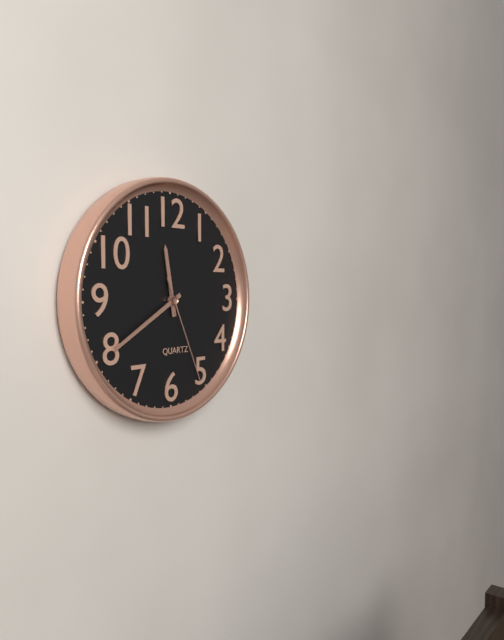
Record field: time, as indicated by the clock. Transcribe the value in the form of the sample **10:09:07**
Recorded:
**11:40:26**
